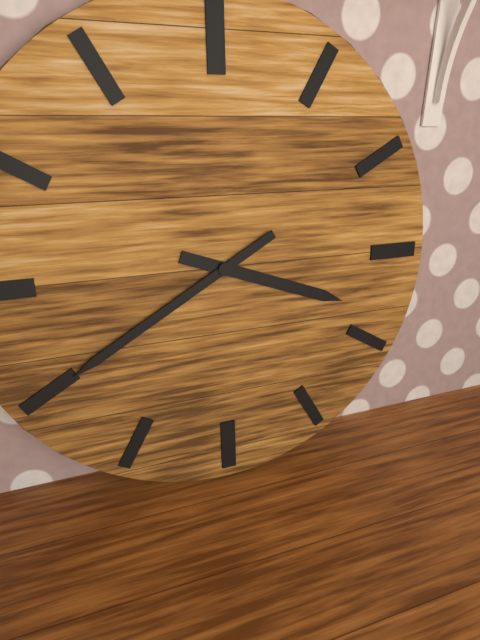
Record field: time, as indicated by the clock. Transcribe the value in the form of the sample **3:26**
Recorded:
**3:40**
